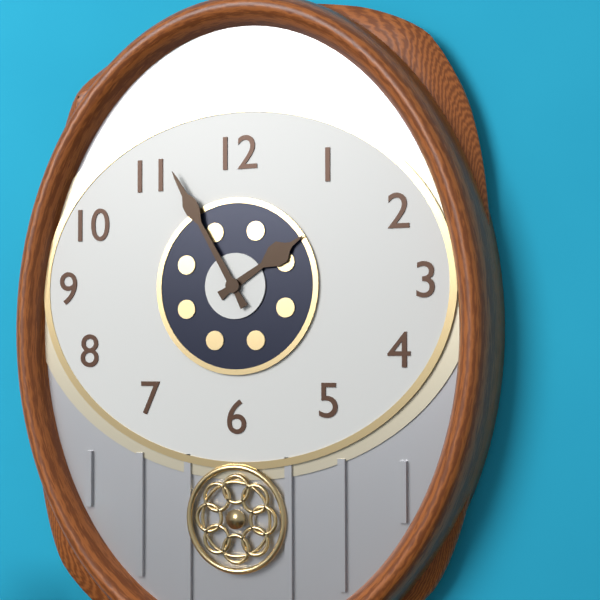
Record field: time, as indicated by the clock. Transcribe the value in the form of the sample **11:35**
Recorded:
**1:55**
